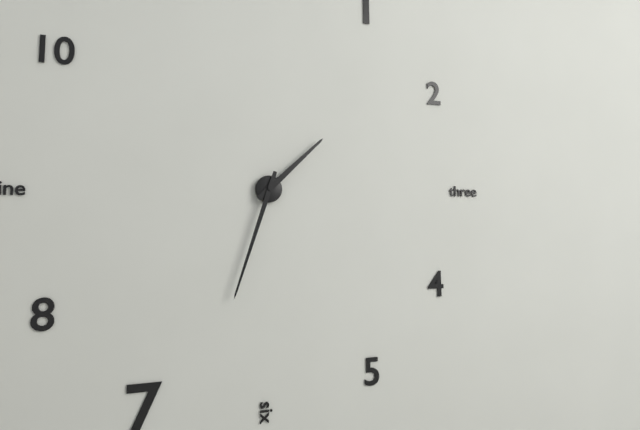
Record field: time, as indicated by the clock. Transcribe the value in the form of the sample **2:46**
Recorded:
**1:33**
